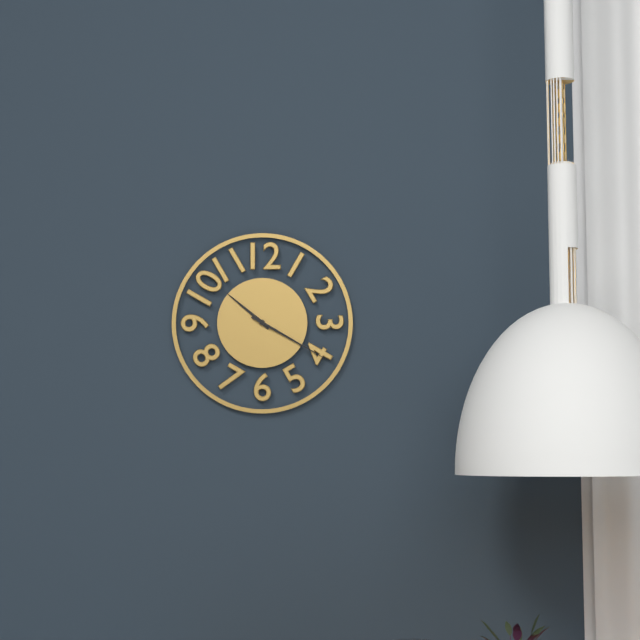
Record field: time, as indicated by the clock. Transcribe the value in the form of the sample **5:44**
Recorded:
**10:20**
